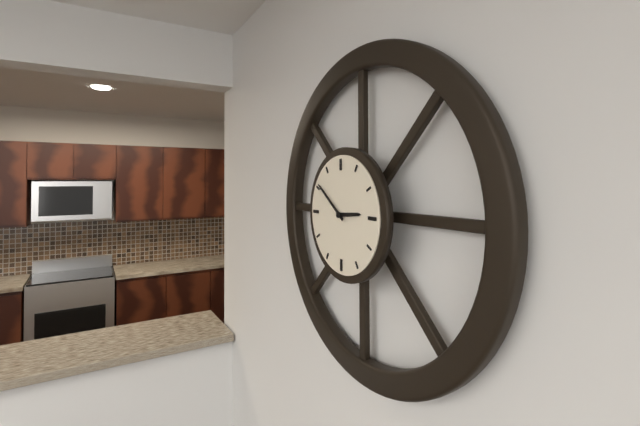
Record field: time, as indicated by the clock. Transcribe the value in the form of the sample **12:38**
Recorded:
**2:51**
